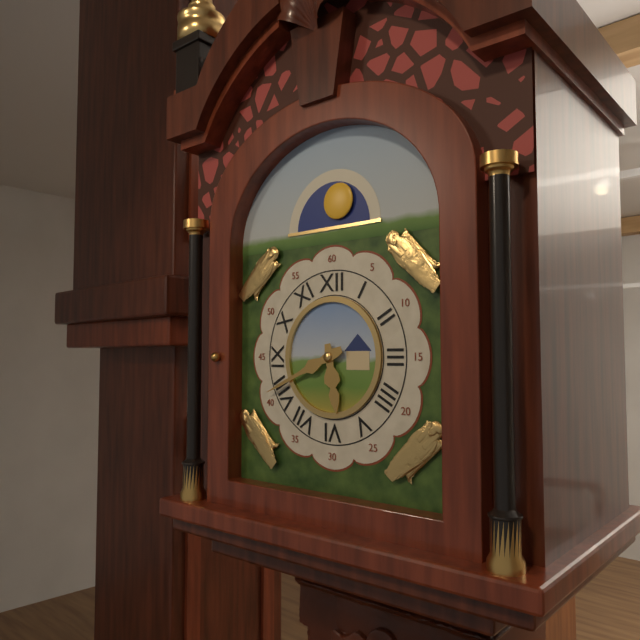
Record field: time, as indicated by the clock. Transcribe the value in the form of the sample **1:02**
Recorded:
**5:41**
